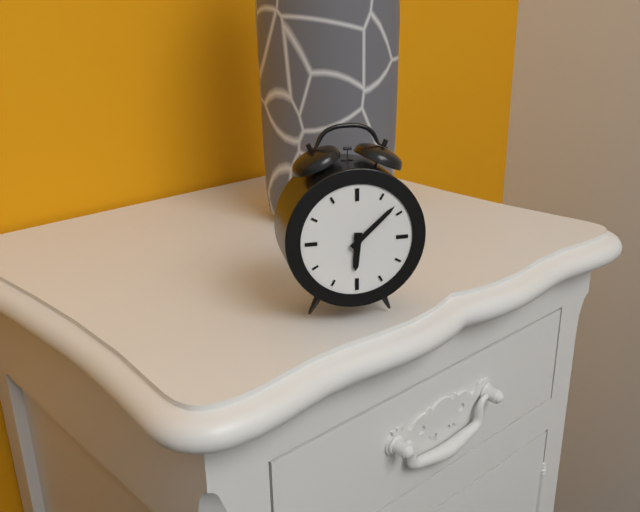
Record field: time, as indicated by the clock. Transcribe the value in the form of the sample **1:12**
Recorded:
**6:08**
